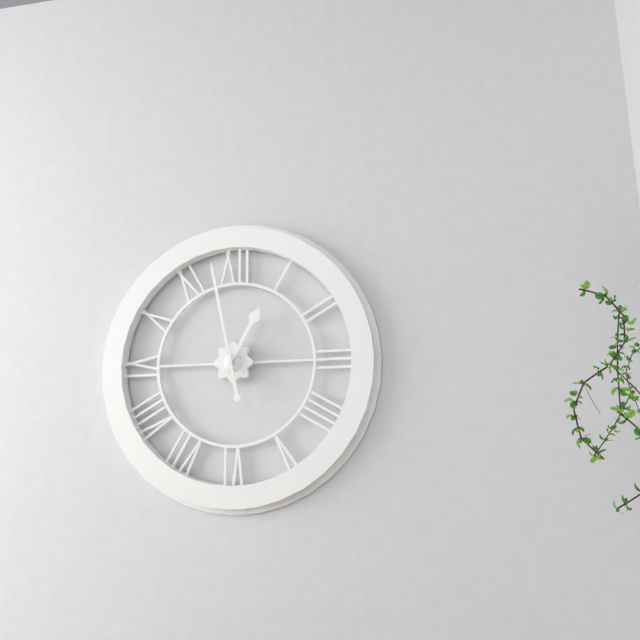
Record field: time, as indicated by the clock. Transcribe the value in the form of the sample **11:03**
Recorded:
**12:58**
